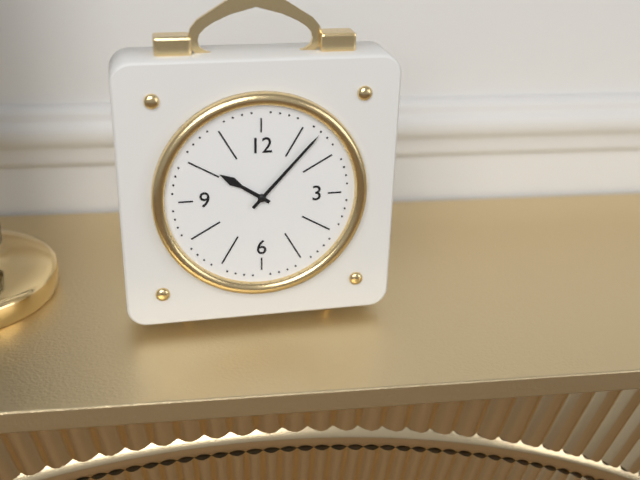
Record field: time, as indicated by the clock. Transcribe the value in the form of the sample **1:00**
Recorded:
**10:07**
